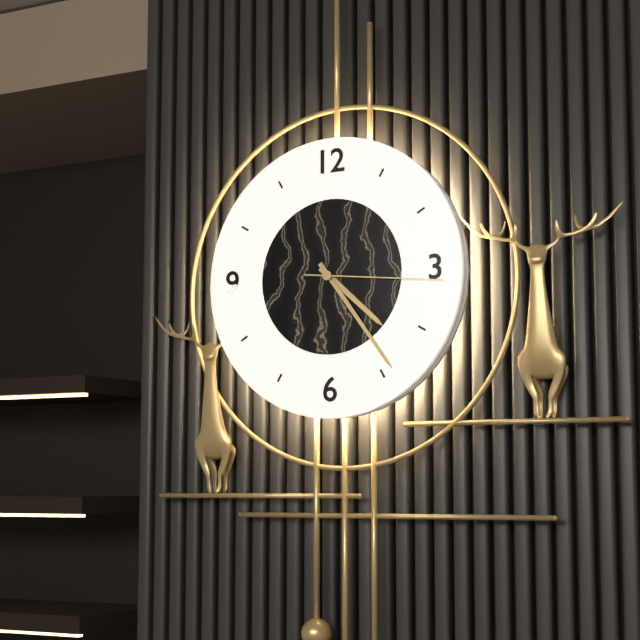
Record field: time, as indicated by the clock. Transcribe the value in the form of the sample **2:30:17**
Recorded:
**4:24:16**
